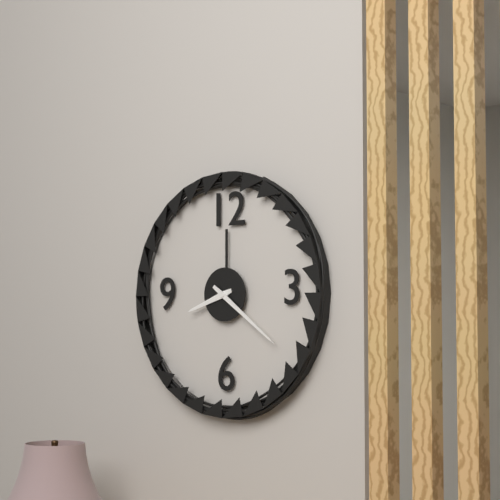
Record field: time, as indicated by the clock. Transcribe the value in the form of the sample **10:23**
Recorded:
**8:21**
